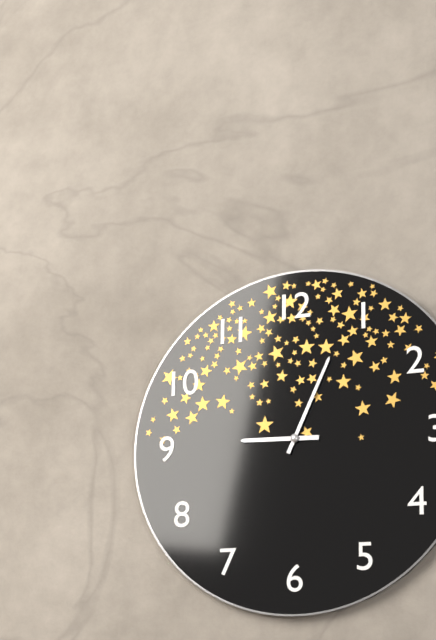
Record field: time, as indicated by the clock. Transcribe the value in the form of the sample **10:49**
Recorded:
**9:04**
